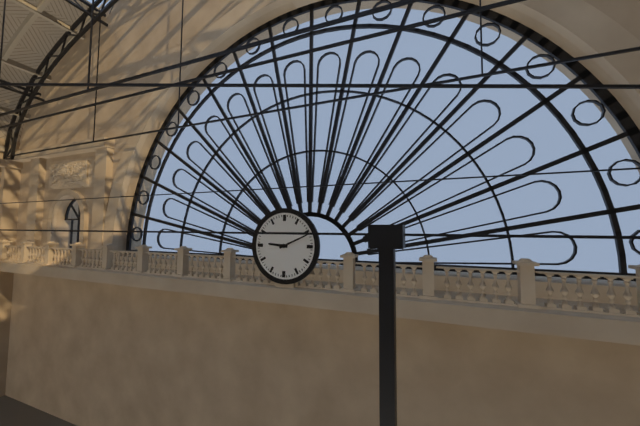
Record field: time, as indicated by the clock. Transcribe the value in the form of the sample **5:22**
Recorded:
**9:11**
